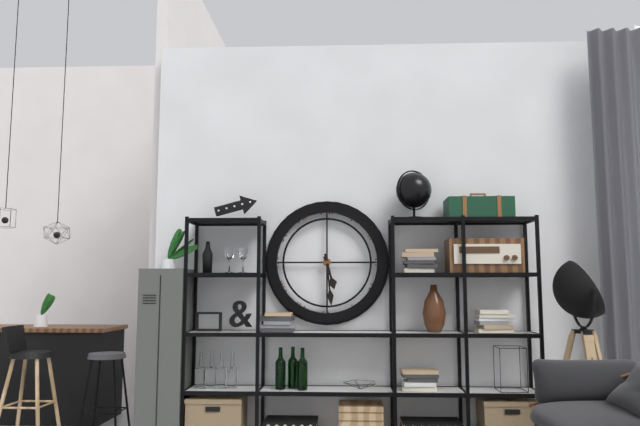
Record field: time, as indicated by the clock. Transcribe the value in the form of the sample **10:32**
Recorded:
**5:29**
